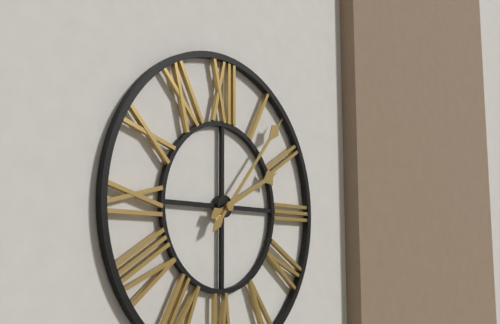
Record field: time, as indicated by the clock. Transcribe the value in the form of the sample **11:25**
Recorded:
**2:07**
